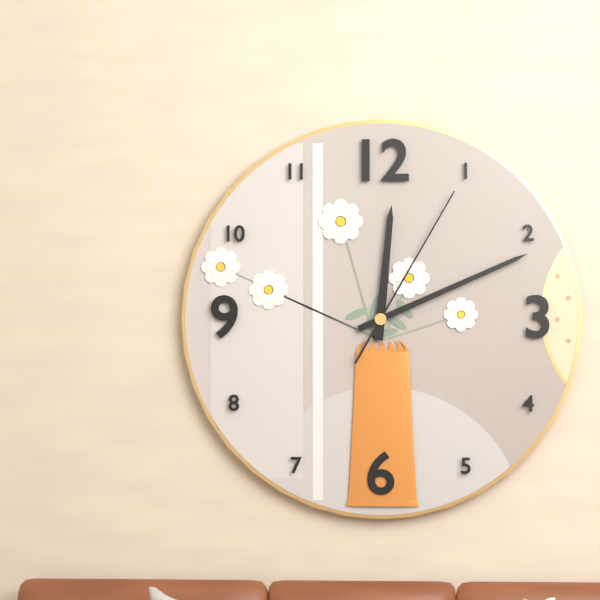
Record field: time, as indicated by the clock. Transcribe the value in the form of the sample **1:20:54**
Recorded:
**12:11:05**
